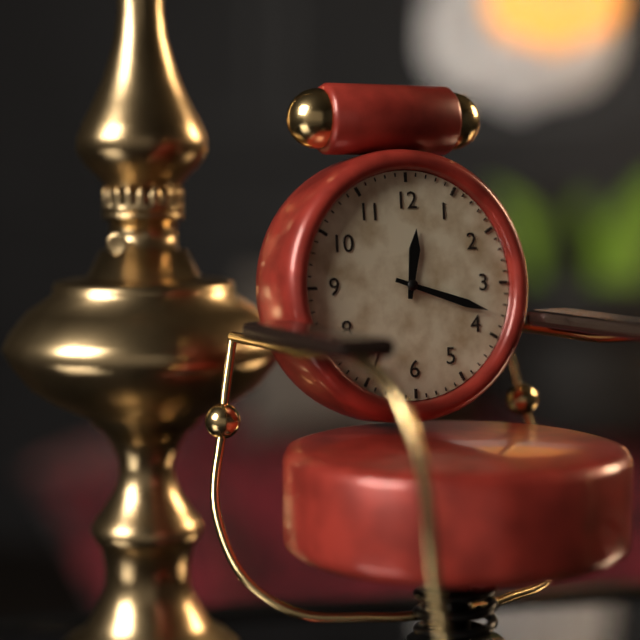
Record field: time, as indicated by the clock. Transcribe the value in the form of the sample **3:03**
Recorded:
**12:18**
